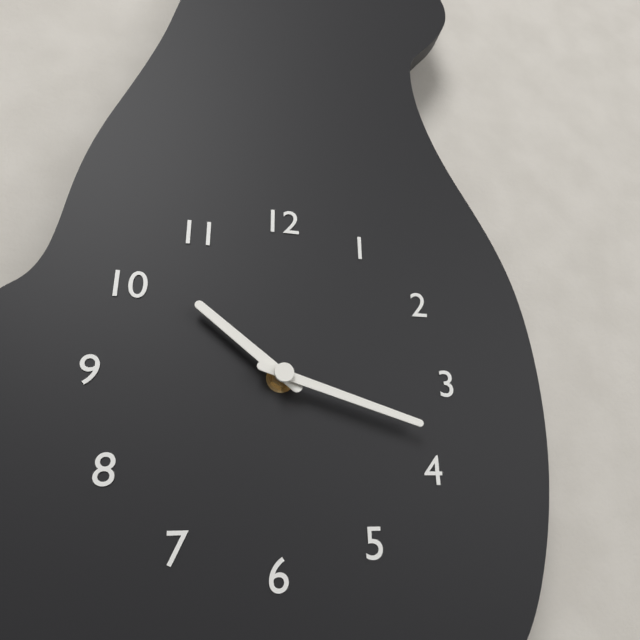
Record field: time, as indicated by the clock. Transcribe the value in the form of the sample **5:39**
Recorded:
**10:18**
